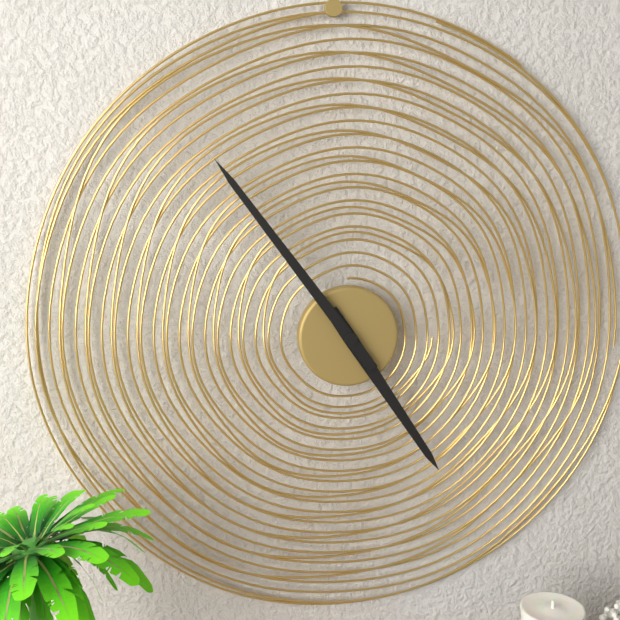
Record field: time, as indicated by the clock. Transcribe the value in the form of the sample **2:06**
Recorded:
**4:54**
